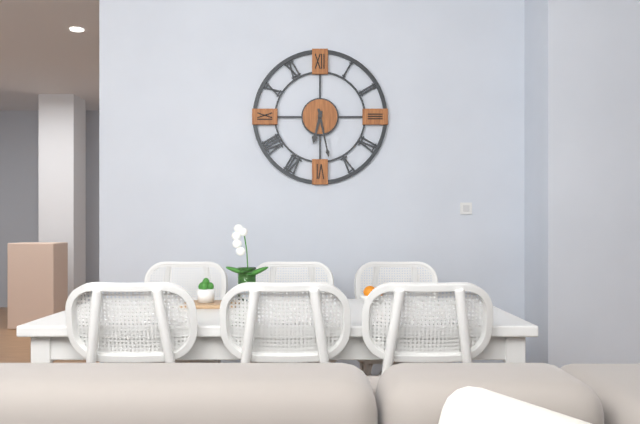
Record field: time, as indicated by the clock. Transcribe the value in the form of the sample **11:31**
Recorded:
**6:28**
